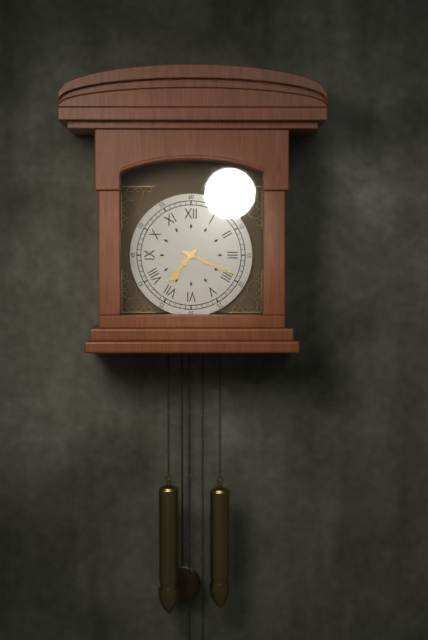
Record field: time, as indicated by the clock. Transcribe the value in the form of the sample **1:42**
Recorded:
**7:19**
